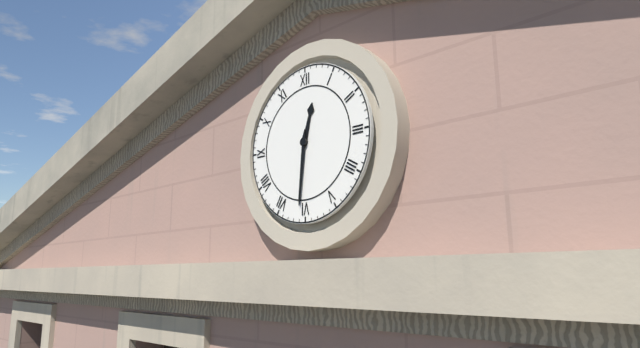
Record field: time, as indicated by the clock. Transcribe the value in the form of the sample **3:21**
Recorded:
**12:31**
